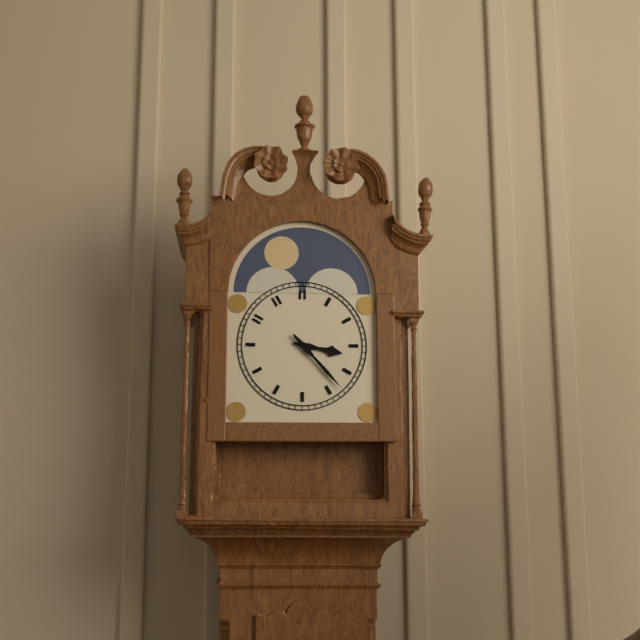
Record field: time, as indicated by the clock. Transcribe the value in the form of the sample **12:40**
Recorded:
**3:23**
